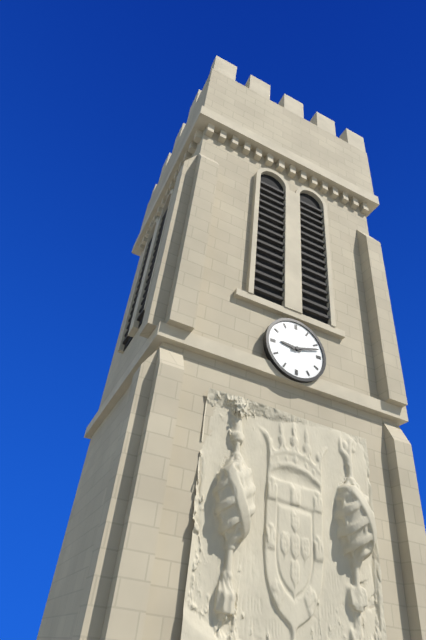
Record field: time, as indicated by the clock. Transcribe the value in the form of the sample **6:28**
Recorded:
**9:12**
